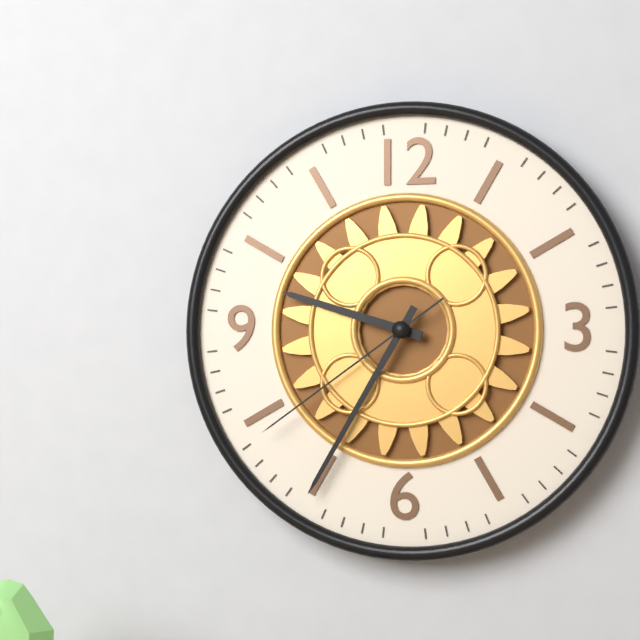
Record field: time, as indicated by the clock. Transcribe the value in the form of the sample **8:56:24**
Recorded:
**9:35:39**
